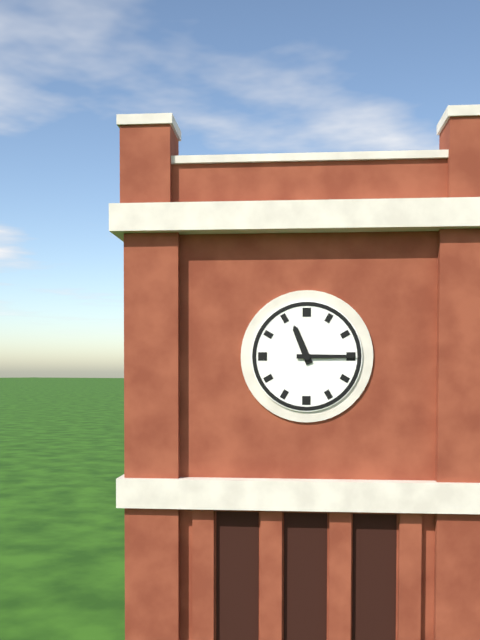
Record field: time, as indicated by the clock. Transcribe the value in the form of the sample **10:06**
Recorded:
**11:15**
